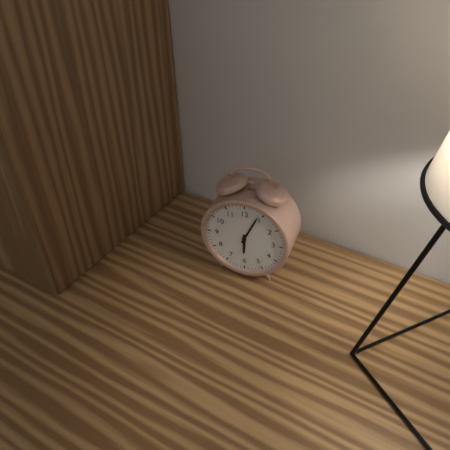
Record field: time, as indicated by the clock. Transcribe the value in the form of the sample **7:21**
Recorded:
**6:04**
